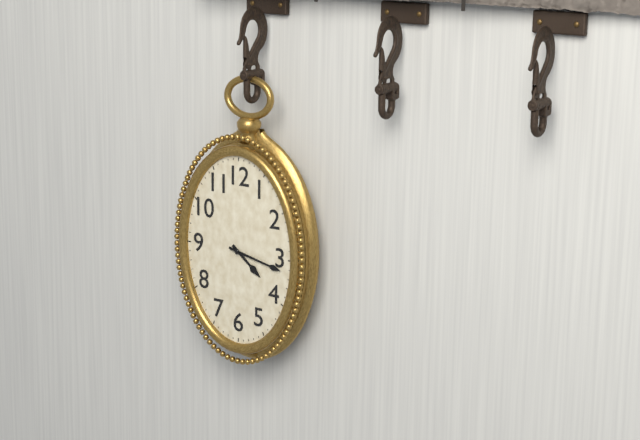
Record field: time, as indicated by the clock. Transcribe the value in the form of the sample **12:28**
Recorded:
**4:17**
